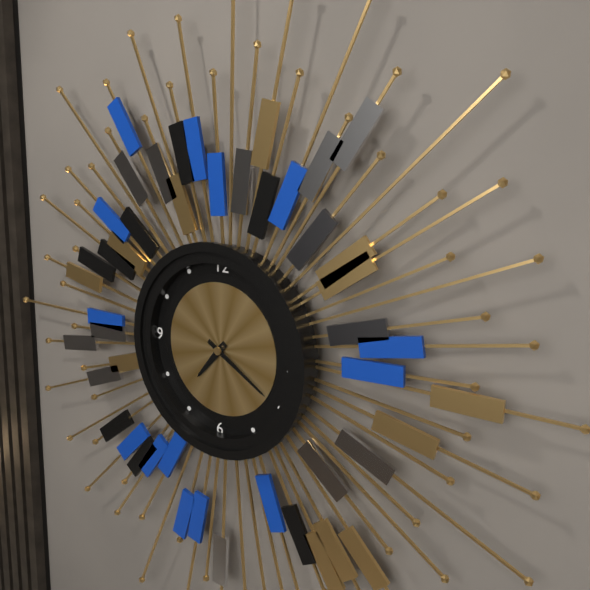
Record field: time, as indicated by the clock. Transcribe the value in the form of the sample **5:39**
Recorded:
**7:20**
